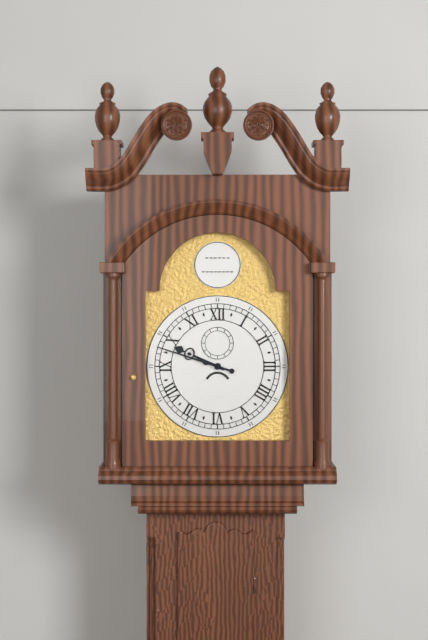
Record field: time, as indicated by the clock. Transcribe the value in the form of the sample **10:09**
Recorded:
**9:48**
